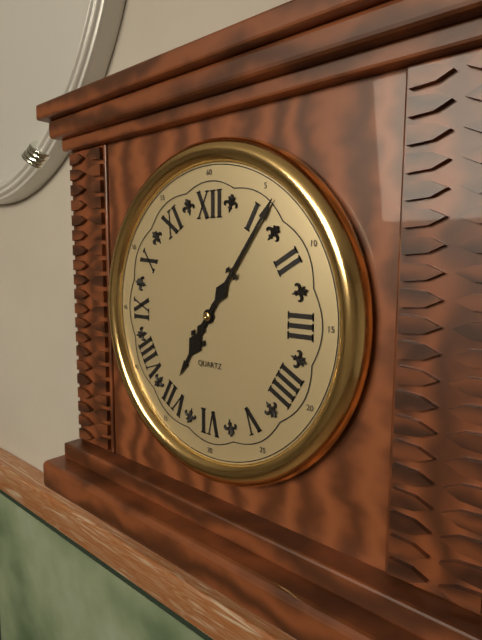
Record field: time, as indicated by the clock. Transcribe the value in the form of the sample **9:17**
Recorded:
**7:06**
